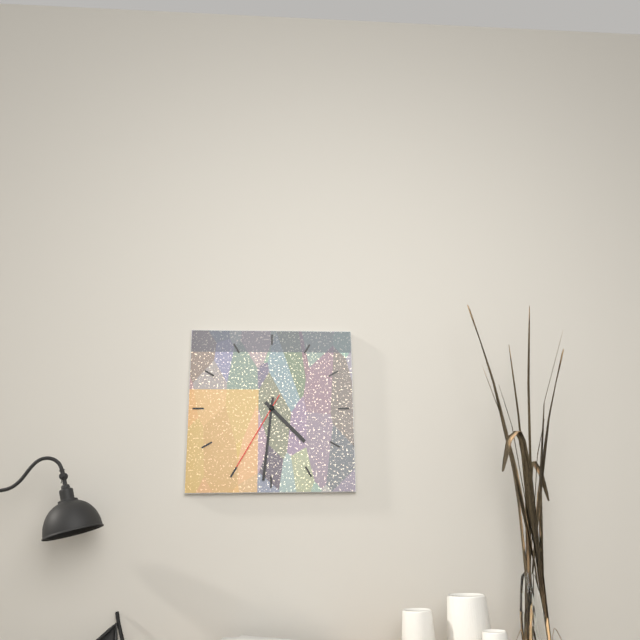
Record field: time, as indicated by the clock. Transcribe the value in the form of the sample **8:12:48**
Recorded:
**4:31:35**
